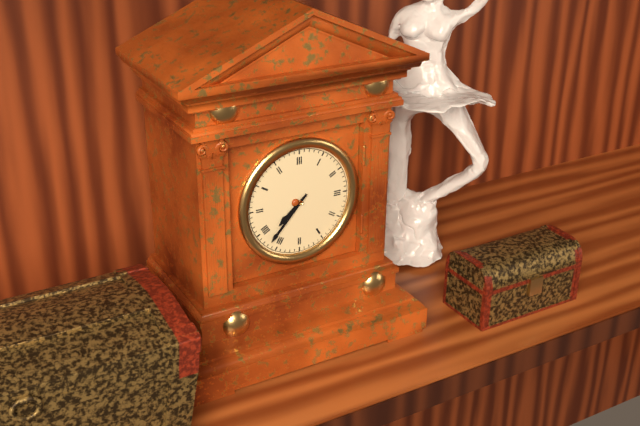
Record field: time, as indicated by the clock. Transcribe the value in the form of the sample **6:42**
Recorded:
**7:37**
